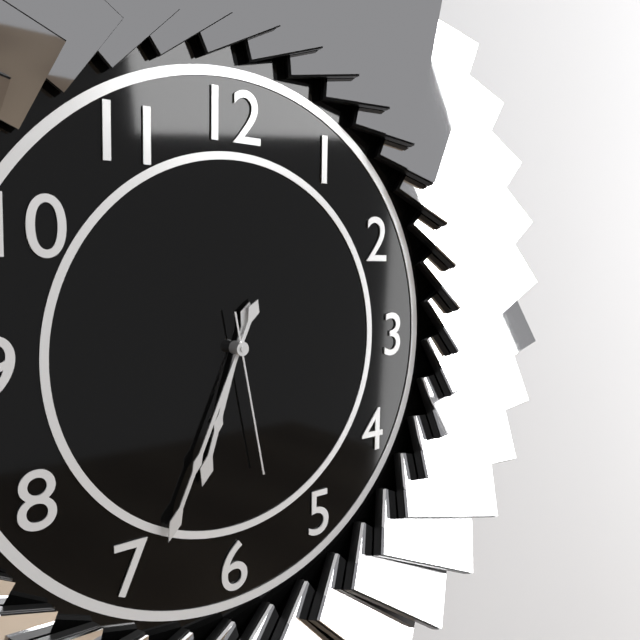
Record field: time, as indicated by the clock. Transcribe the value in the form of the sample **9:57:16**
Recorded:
**6:34:28**
